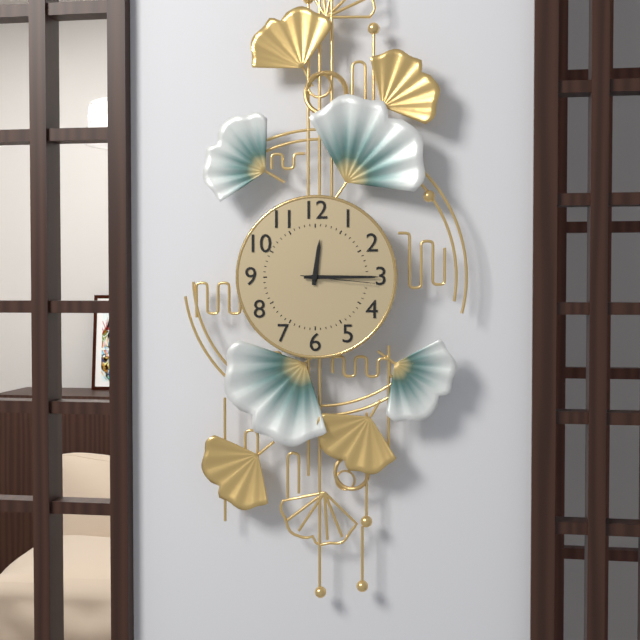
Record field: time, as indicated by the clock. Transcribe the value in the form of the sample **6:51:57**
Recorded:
**12:15:16**
